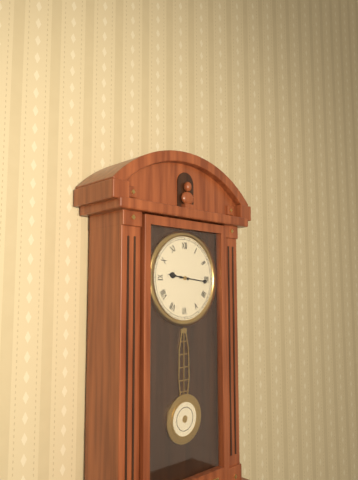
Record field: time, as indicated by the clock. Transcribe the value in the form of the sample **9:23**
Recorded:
**9:16**
